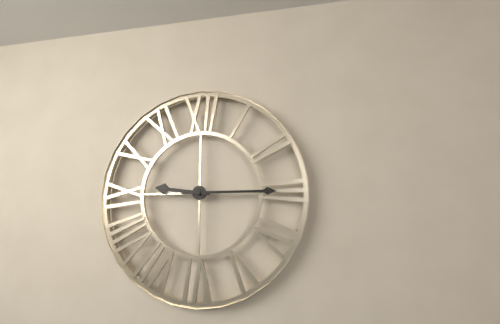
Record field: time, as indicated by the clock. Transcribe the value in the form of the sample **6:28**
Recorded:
**9:15**
